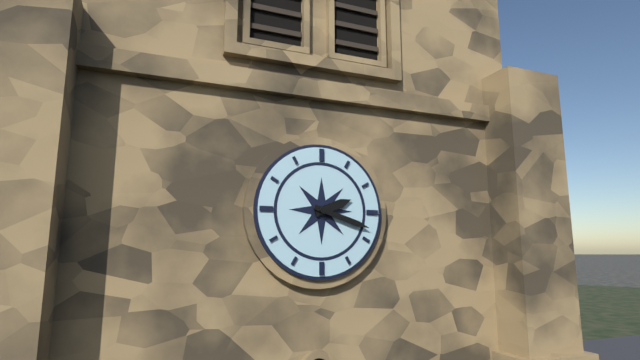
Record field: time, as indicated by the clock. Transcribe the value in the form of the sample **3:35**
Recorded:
**2:18**
